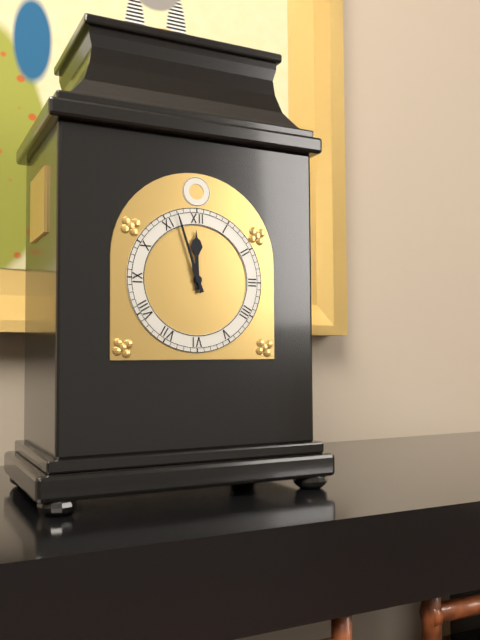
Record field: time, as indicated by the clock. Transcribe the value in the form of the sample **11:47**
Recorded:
**11:57**
